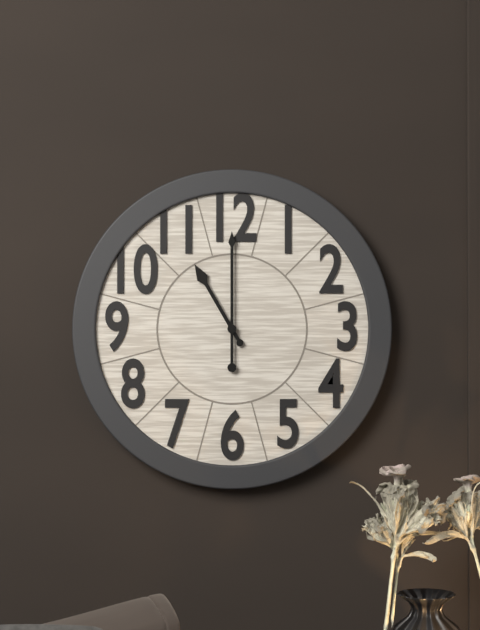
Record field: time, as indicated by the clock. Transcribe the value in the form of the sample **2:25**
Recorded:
**11:00**
